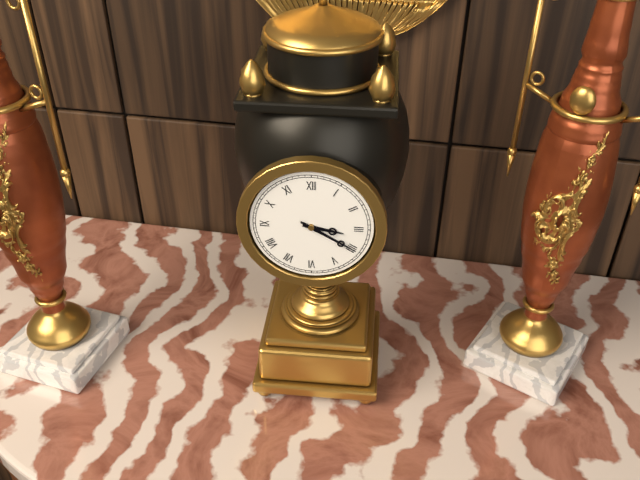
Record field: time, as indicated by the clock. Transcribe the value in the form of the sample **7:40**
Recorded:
**3:20**
